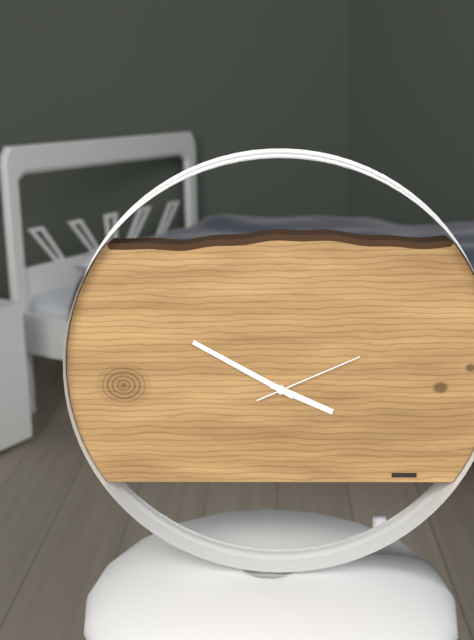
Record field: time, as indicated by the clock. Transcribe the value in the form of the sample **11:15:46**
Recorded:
**3:50:11**
